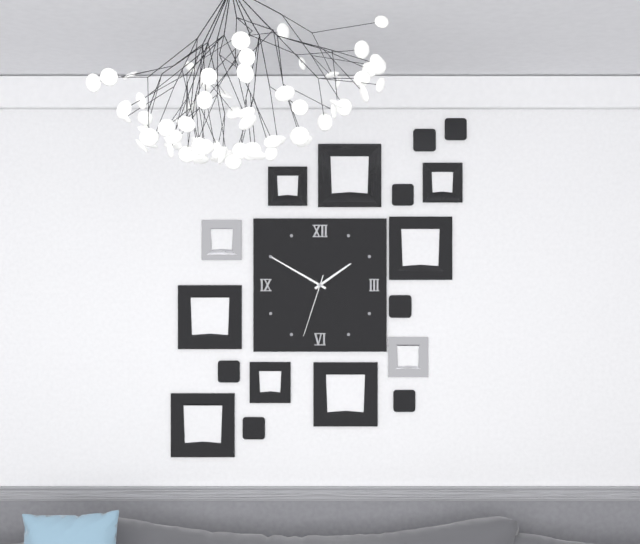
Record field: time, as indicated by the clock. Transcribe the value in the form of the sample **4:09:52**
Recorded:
**1:50:33**
